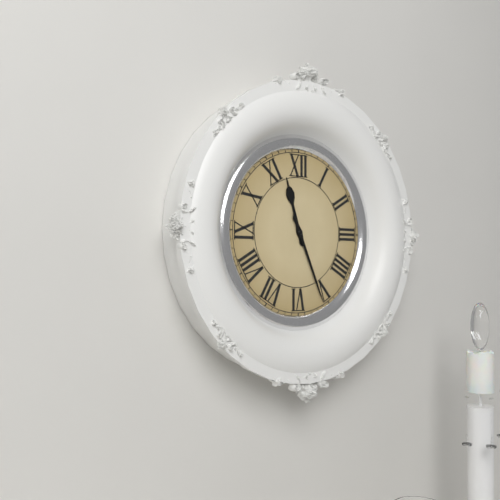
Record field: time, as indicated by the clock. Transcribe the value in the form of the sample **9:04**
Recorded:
**11:26**
